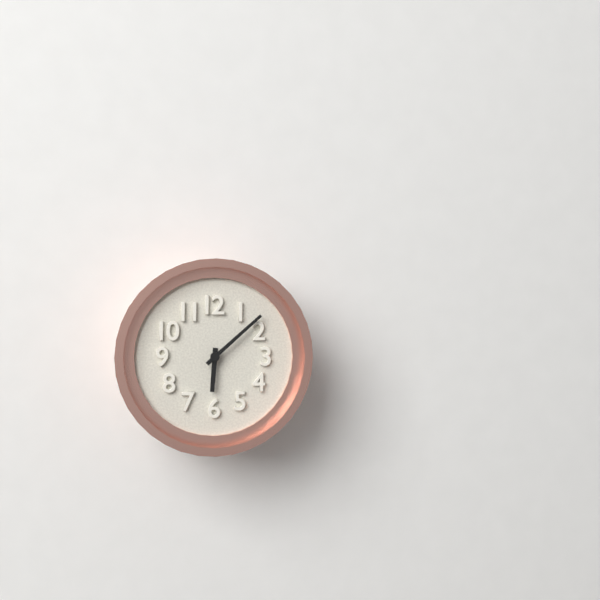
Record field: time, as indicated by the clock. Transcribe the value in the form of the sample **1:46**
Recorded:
**6:08**
